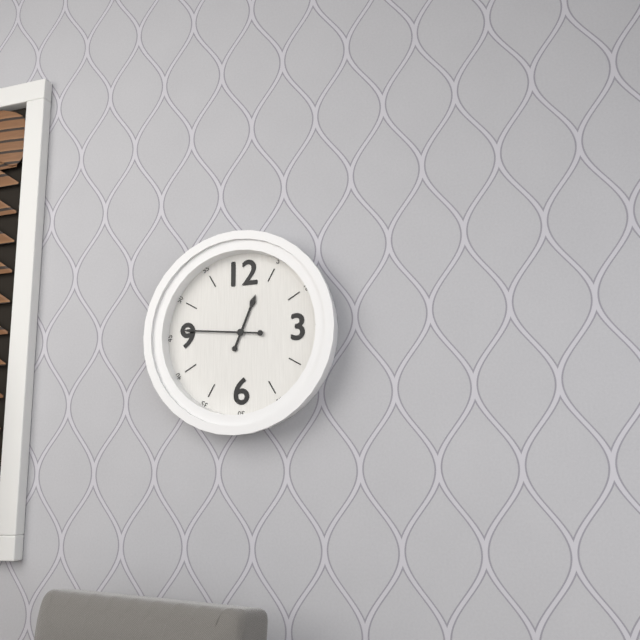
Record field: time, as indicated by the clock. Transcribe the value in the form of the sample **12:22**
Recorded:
**12:46**
